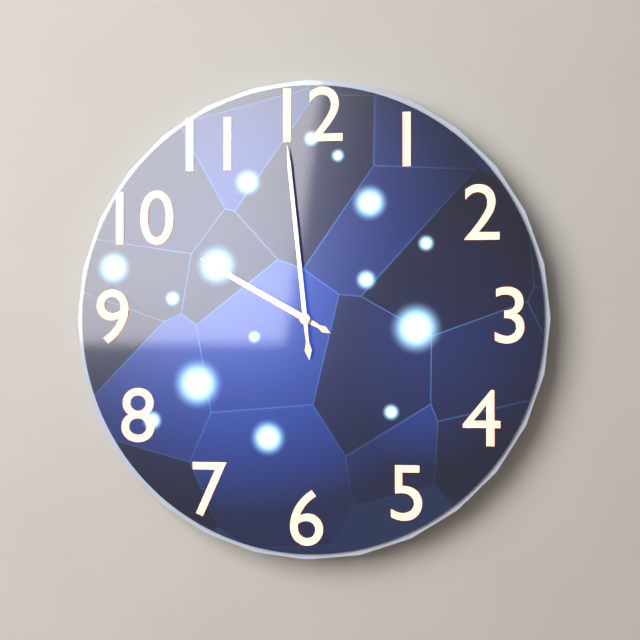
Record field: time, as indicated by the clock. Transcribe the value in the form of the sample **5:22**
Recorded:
**9:59**
